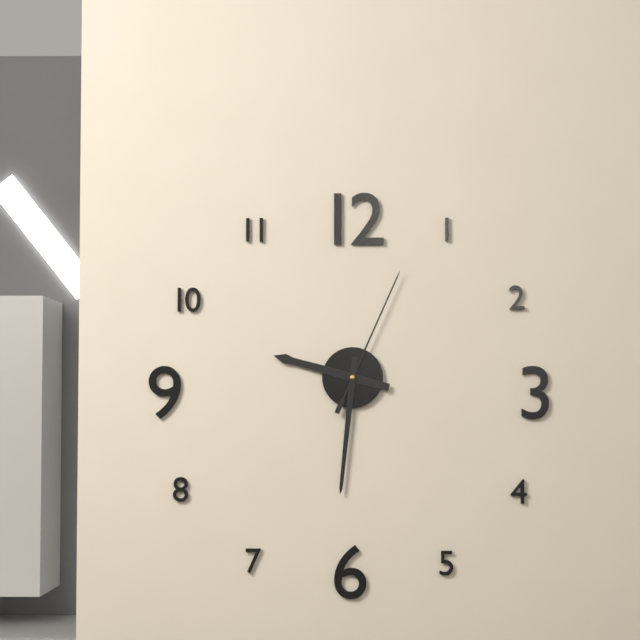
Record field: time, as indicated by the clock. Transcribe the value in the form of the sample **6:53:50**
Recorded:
**9:31:04**
